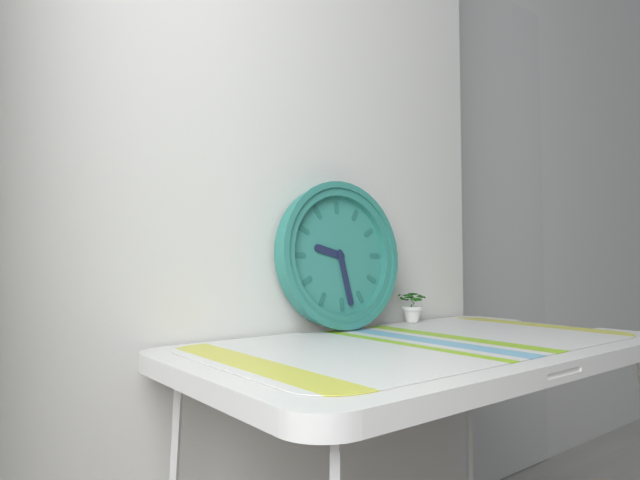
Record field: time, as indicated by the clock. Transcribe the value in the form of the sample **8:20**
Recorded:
**9:28**
